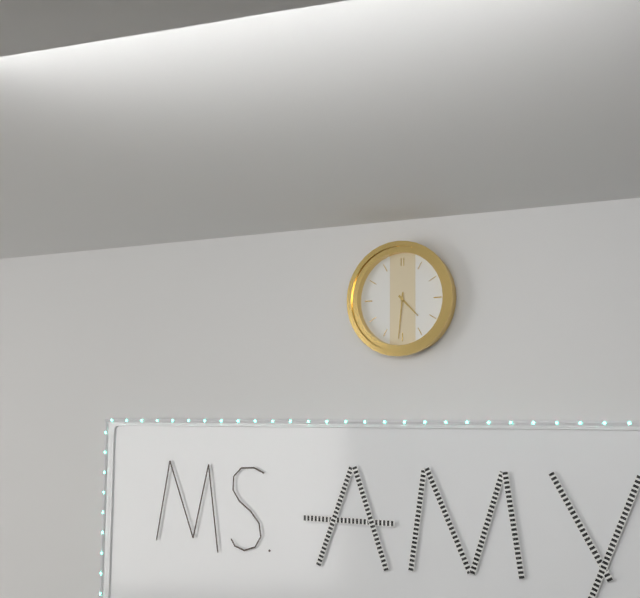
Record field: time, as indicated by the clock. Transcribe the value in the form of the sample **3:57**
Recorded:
**4:31**
